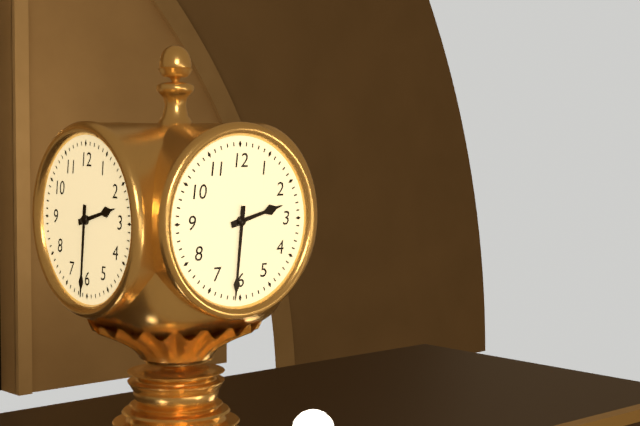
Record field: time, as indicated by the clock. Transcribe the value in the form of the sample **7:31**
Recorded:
**2:31**
